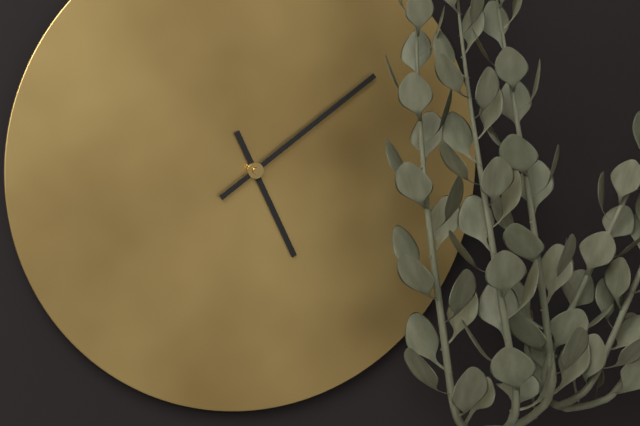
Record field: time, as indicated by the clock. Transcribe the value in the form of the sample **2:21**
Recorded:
**5:09**
